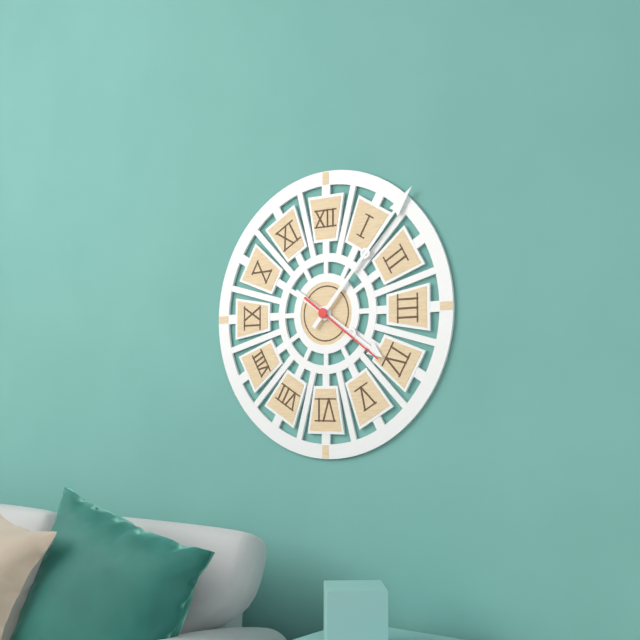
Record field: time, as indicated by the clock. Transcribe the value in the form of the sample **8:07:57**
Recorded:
**4:07:21**
